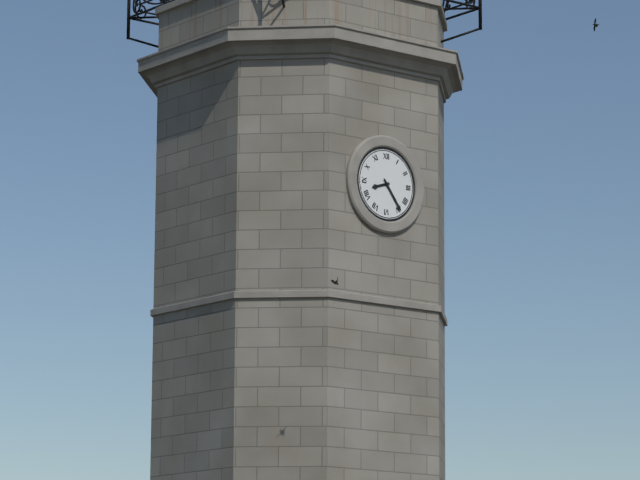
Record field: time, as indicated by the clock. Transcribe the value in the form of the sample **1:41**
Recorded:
**8:24**
